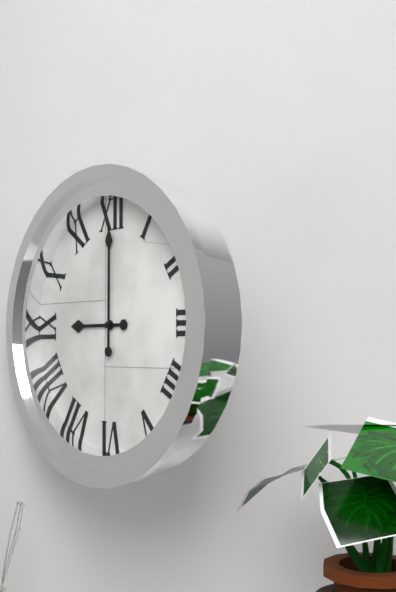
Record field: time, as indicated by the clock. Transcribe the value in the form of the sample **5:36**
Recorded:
**9:00**
